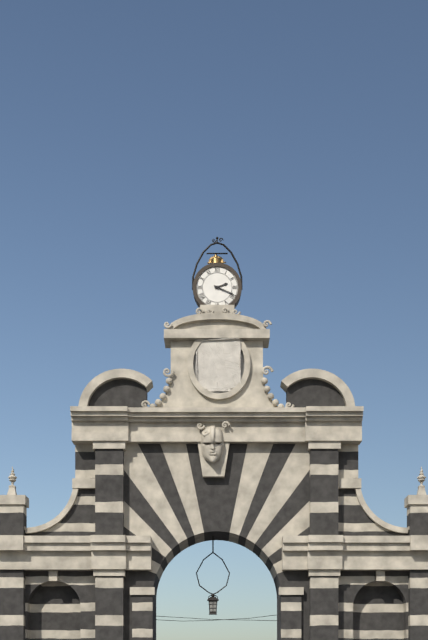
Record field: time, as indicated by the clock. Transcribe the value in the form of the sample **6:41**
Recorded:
**2:19**
